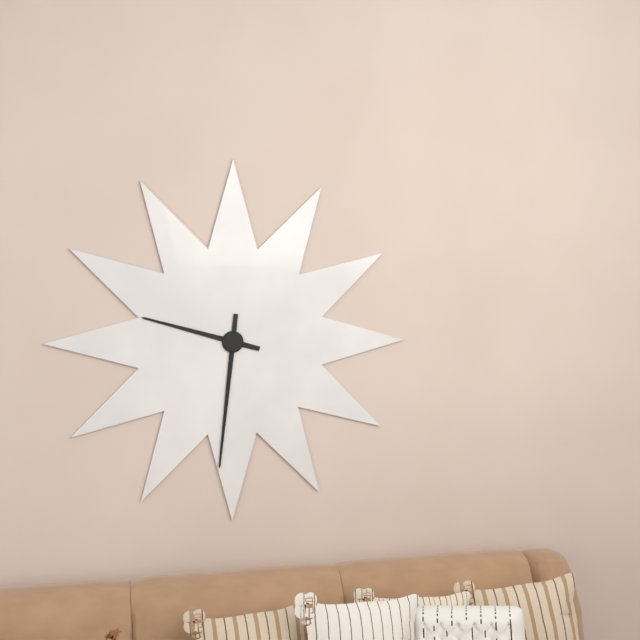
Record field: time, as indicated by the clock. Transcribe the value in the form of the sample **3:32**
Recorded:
**9:31**
